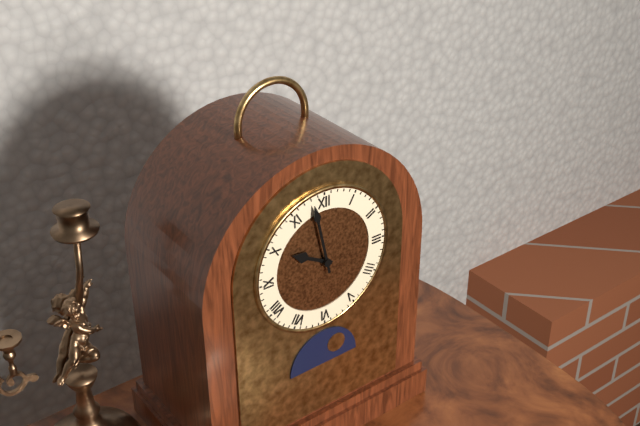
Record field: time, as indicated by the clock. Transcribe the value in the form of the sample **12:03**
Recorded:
**9:58**
